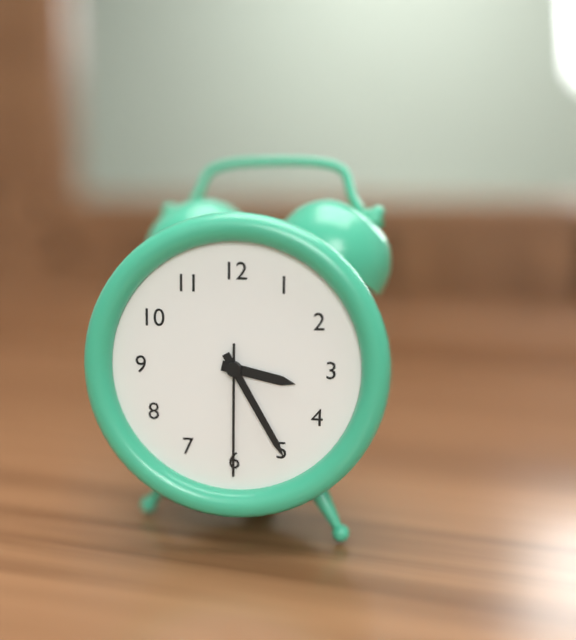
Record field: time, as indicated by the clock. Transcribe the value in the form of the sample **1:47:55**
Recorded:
**3:25:30**
